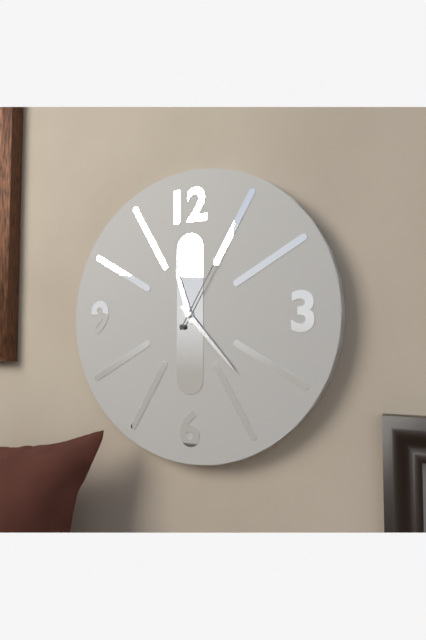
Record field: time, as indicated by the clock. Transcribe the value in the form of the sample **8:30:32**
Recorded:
**11:23:05**
